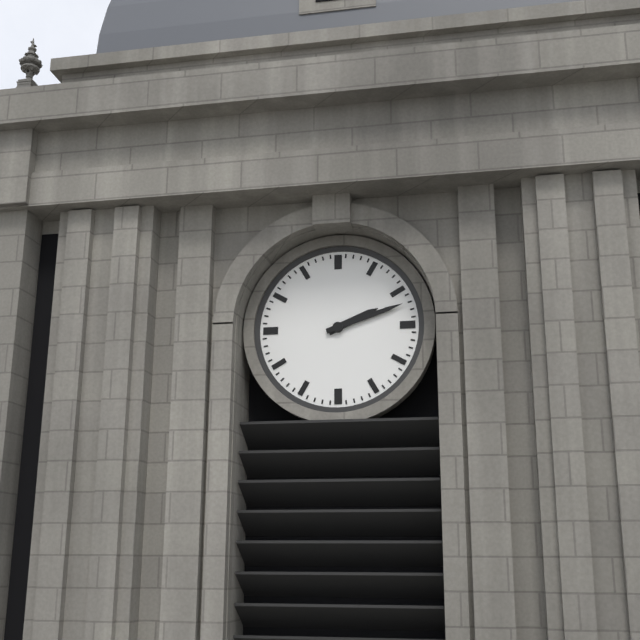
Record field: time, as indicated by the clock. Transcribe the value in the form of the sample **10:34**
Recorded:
**2:12**
